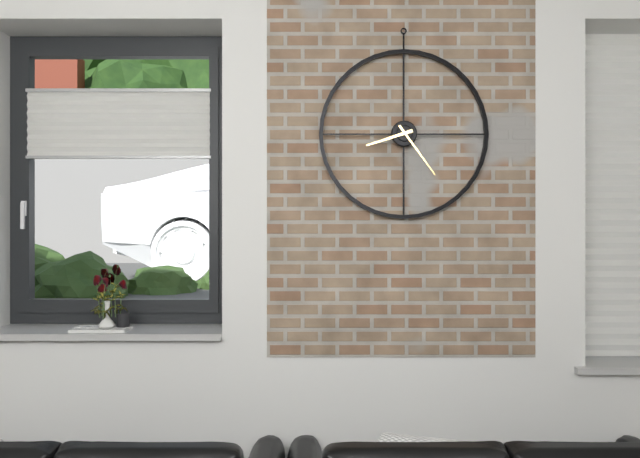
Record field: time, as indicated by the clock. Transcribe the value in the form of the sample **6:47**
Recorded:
**8:24**
